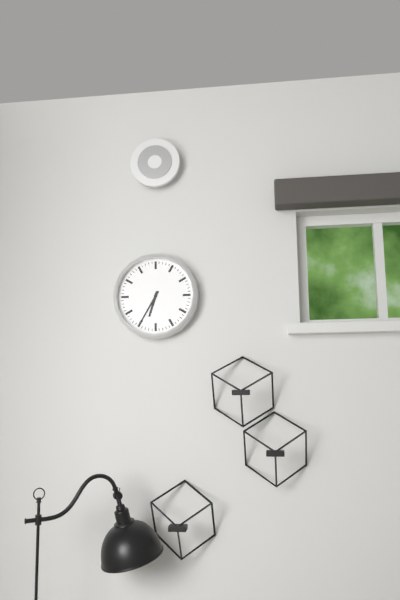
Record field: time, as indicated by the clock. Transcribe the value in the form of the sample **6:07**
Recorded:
**6:35**
